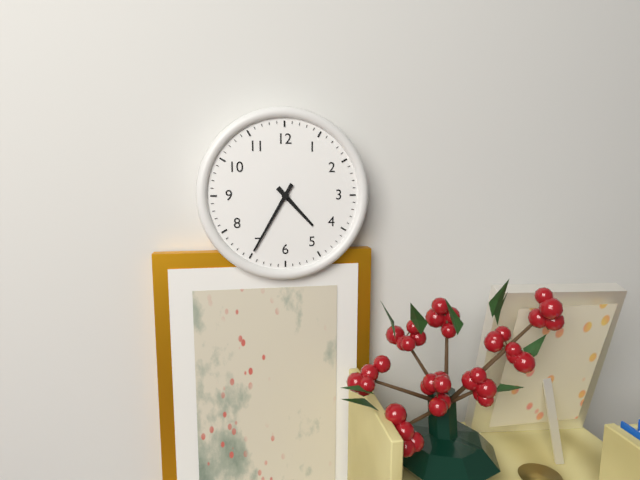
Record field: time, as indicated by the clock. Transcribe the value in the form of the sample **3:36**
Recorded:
**4:35**
